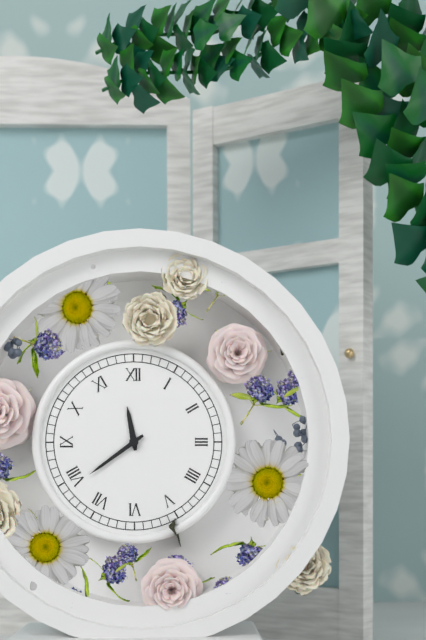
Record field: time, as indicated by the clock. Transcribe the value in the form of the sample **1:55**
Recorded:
**11:39**
